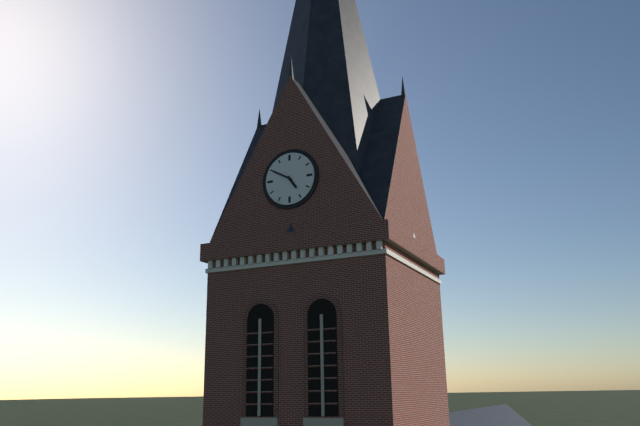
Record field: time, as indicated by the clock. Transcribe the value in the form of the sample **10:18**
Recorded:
**4:50**
